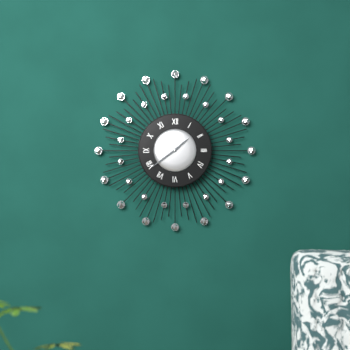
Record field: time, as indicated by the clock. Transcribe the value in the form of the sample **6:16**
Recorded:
**1:39**
